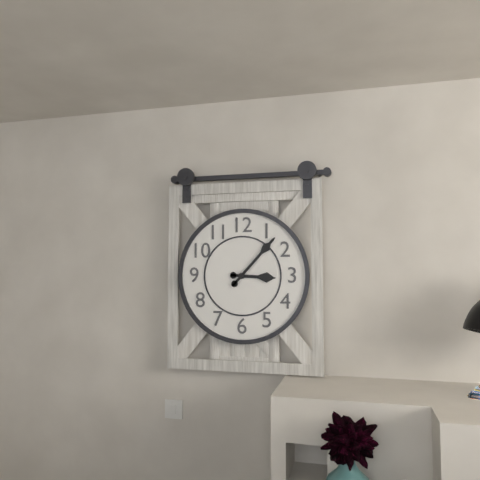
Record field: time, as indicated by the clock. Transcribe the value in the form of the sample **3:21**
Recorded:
**3:07**
